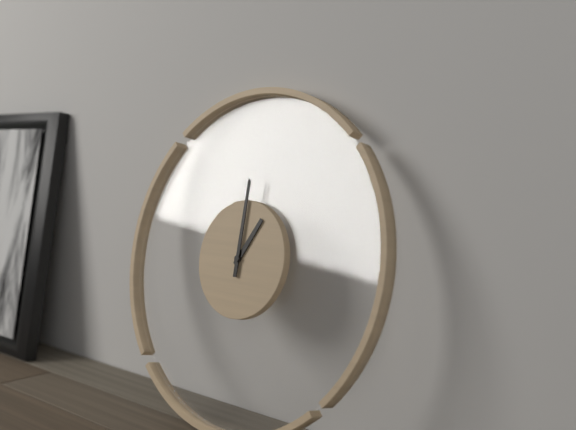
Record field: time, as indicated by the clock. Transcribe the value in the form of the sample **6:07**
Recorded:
**1:00**
